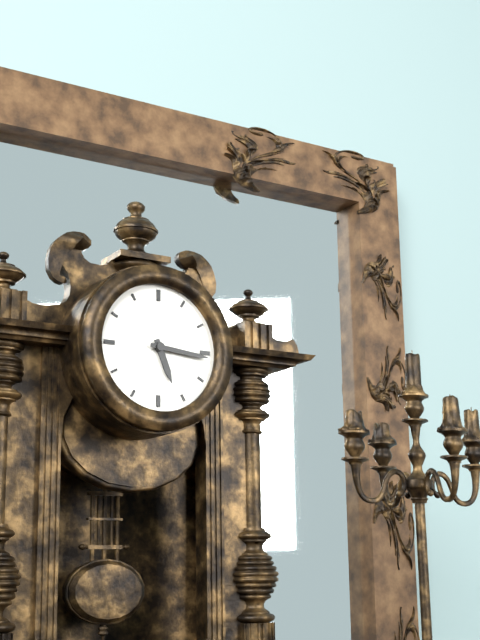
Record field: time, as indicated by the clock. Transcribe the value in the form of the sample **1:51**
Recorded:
**5:16**
